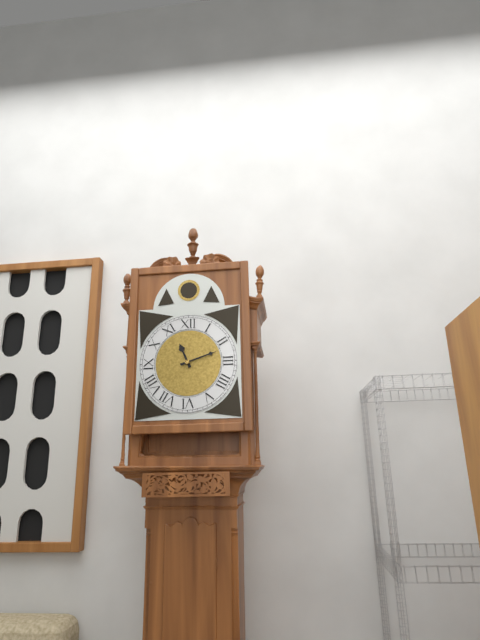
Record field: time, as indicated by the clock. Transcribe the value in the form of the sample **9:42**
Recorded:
**11:12**
